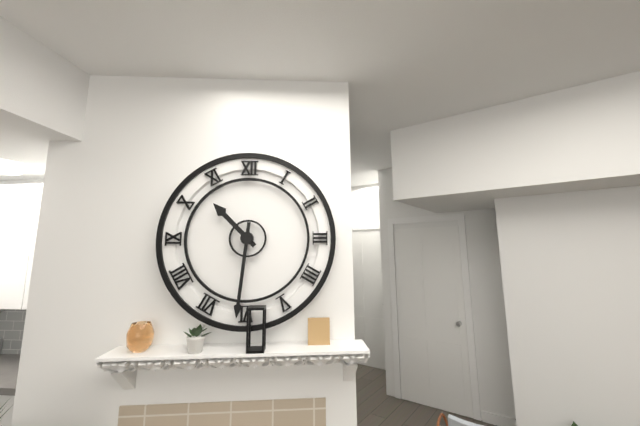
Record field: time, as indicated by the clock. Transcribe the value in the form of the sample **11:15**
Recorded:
**10:31**
